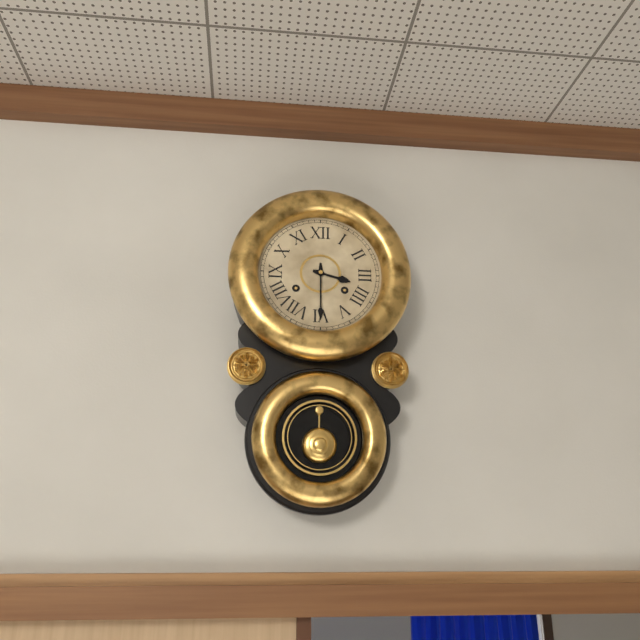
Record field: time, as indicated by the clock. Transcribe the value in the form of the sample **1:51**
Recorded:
**3:30**
